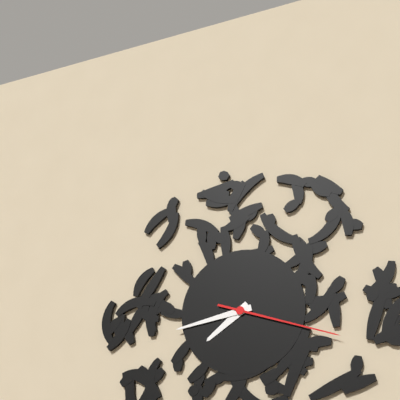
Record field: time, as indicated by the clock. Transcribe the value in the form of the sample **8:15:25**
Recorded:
**7:43:18**
